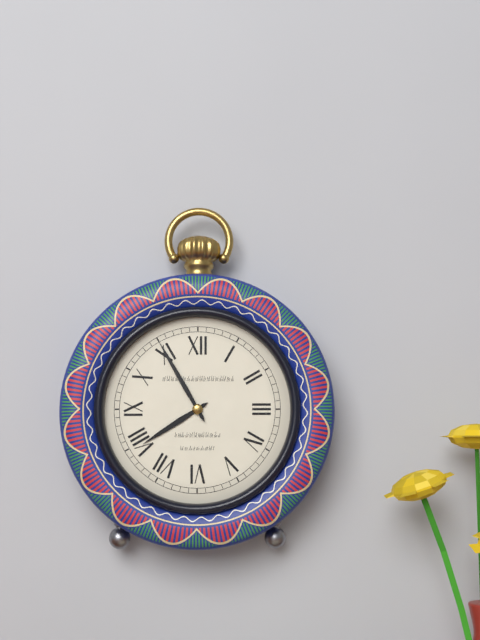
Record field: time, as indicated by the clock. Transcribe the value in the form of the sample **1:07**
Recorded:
**7:55**
